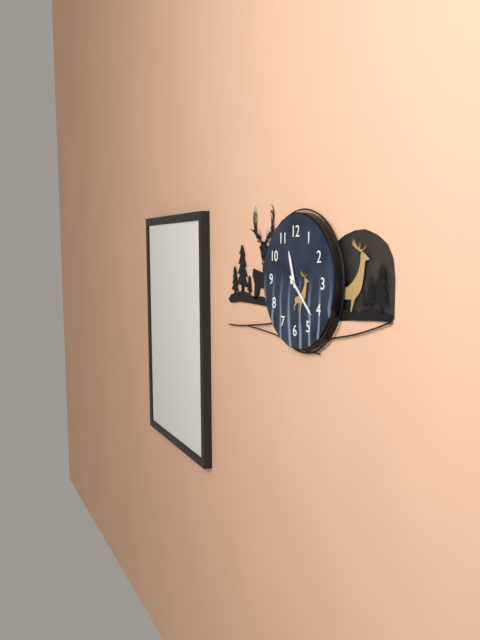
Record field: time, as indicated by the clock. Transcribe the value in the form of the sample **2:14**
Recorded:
**11:22**
